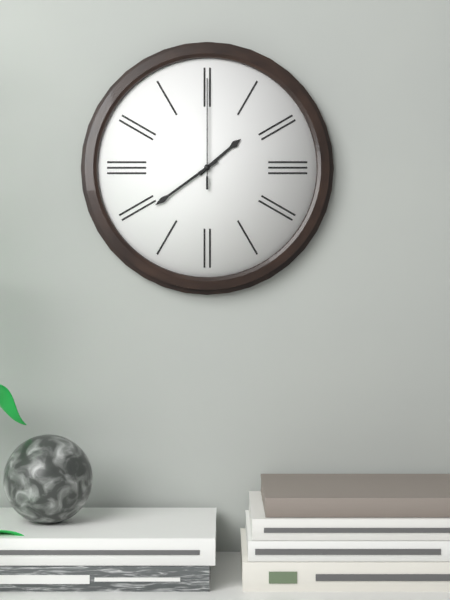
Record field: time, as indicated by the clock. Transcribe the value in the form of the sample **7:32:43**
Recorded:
**1:39:00**
